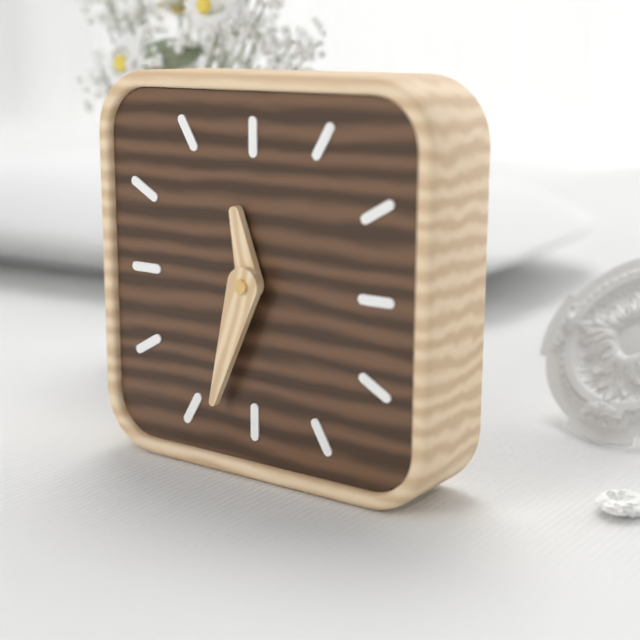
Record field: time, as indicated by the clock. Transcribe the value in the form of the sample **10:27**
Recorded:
**11:33**
